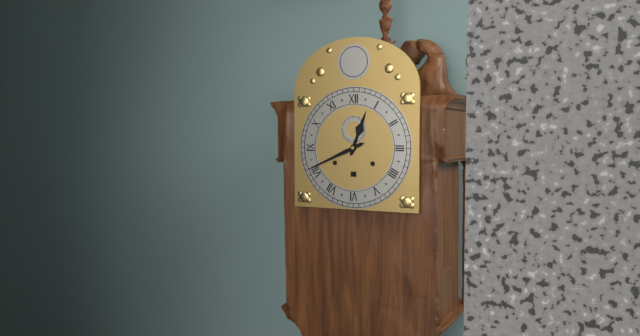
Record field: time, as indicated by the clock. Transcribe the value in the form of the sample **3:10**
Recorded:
**12:41**
